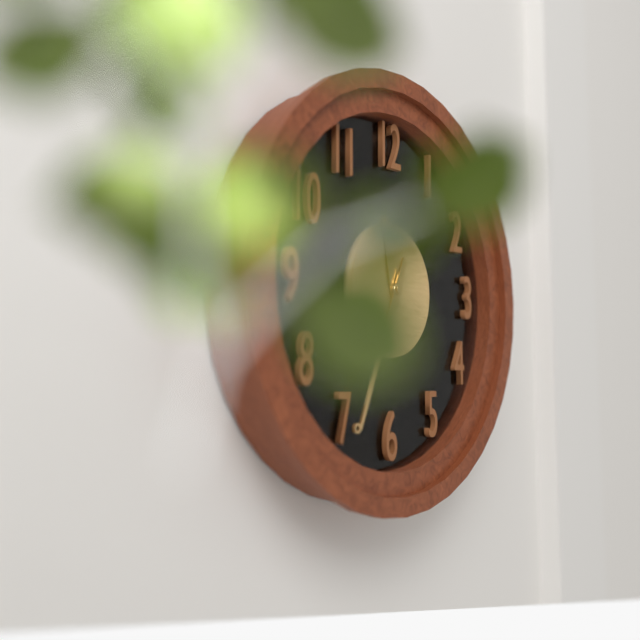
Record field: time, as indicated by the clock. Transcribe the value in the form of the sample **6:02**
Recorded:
**11:34**
